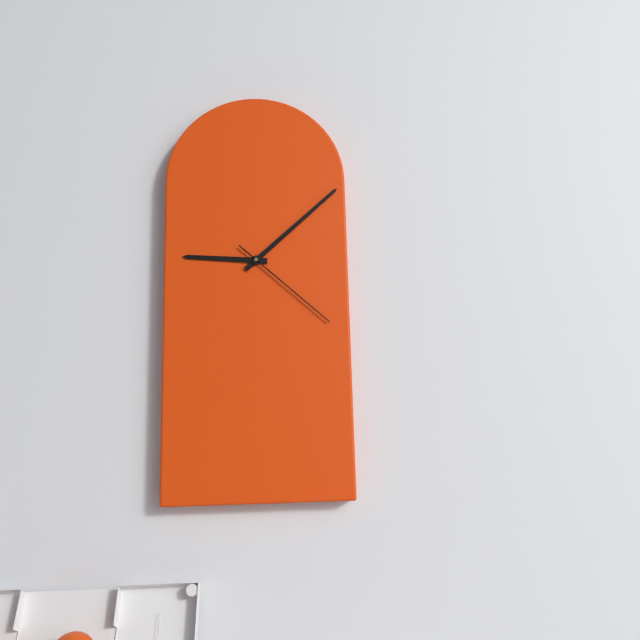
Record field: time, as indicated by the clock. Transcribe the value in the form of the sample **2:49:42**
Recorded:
**9:08:22**
